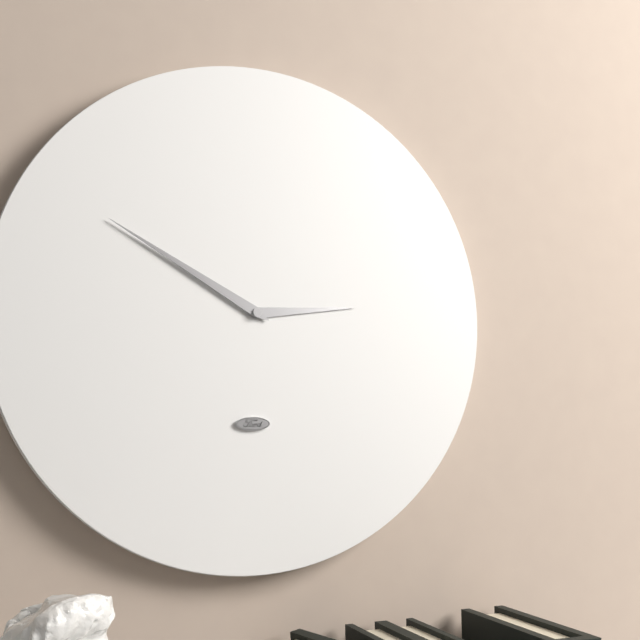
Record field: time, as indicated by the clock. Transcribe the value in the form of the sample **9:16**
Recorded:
**2:50**
